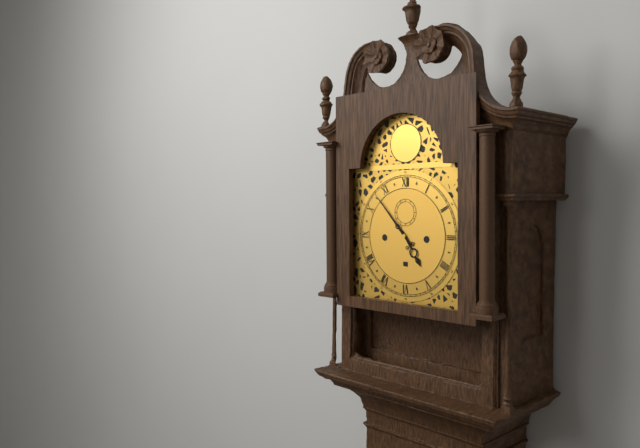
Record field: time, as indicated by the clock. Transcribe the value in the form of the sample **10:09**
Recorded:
**4:53**
